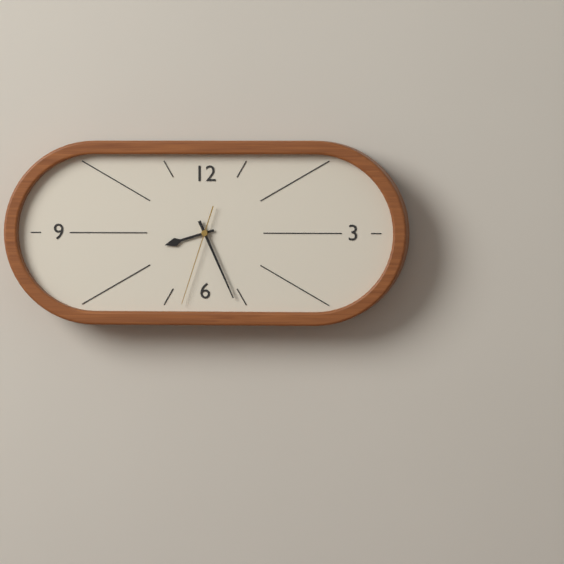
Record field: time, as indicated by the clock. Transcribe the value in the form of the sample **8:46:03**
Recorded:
**8:26:33**
